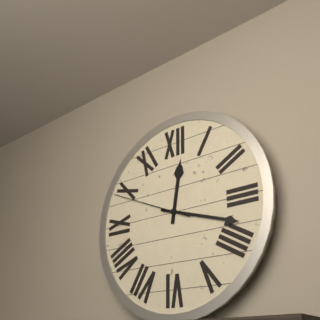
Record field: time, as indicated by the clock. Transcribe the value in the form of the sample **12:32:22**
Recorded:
**12:18:49**
